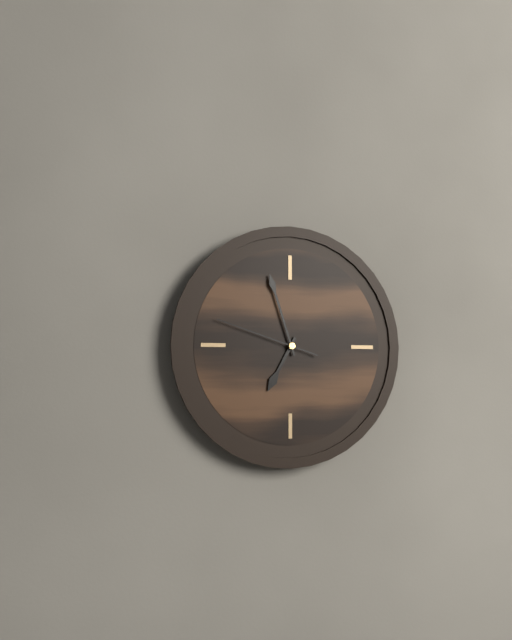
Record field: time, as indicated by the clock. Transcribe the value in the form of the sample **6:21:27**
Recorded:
**6:57:48**
